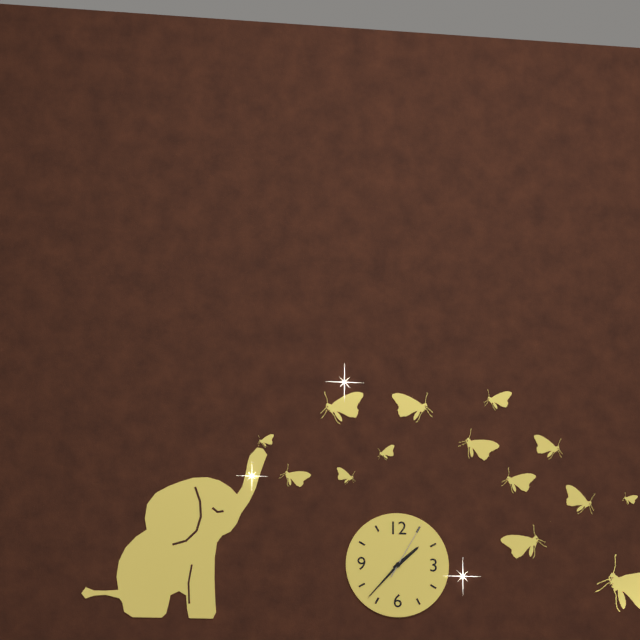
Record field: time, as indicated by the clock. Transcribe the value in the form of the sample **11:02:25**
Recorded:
**1:37:05**
